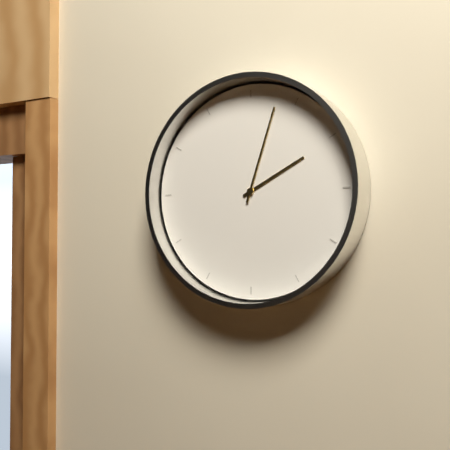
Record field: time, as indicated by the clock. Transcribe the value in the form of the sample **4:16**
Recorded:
**2:03**
